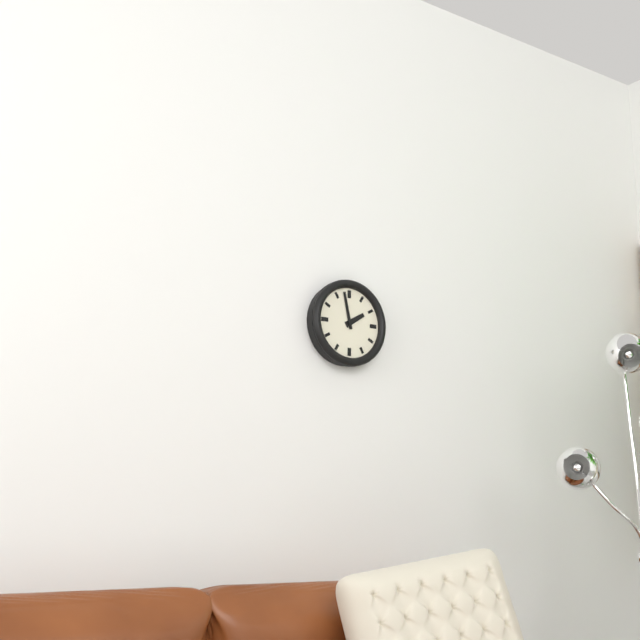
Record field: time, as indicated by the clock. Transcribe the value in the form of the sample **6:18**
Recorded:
**1:58**
